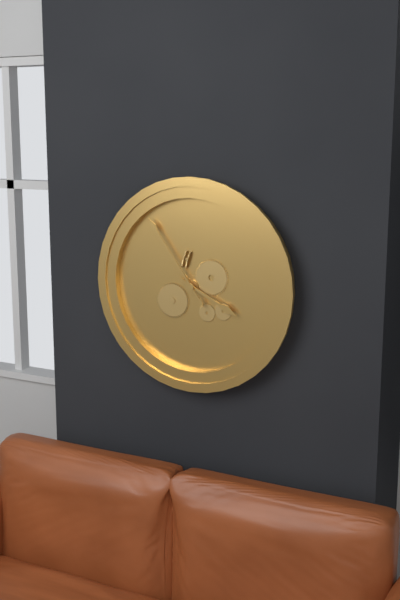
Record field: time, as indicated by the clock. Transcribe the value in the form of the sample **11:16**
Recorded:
**3:54**
